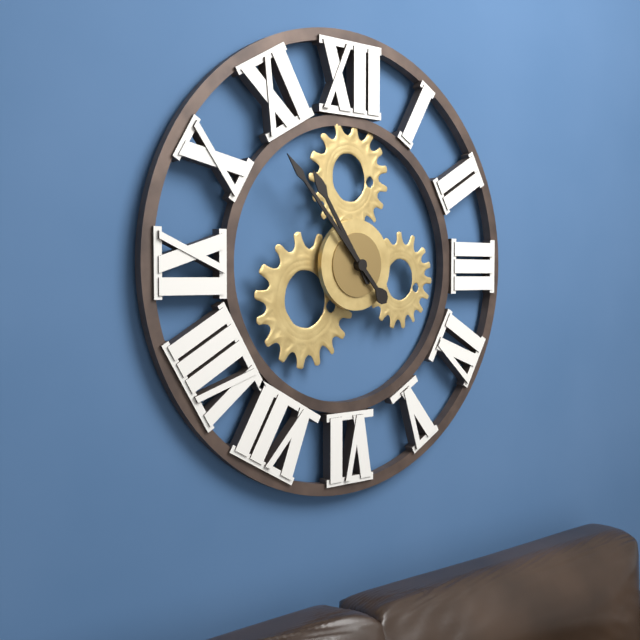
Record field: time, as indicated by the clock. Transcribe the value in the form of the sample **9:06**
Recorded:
**10:53**
